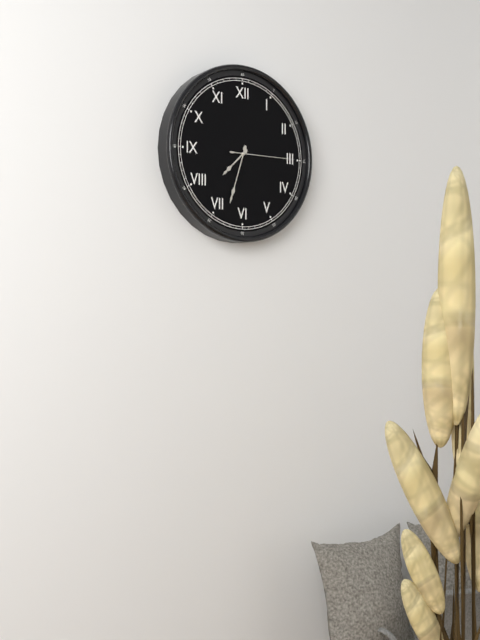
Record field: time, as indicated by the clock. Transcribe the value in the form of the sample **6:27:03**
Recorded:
**7:33:15**
